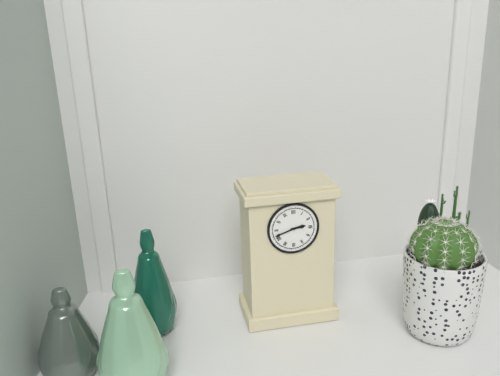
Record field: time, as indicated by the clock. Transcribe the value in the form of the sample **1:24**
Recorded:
**2:42**
